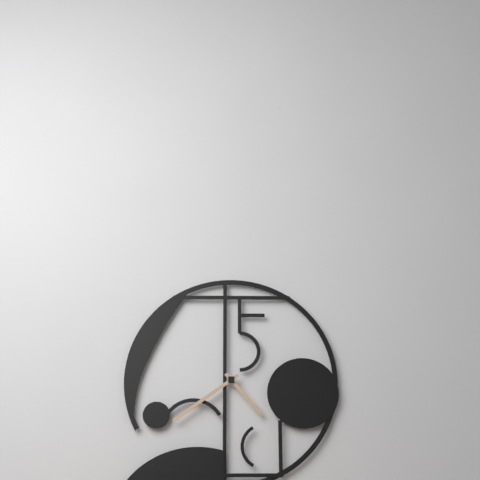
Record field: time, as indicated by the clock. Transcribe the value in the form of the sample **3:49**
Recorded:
**4:39**
